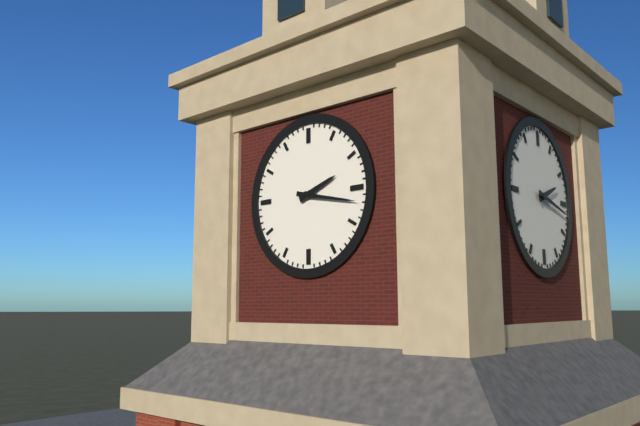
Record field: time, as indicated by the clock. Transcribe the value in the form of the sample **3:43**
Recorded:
**2:17**
